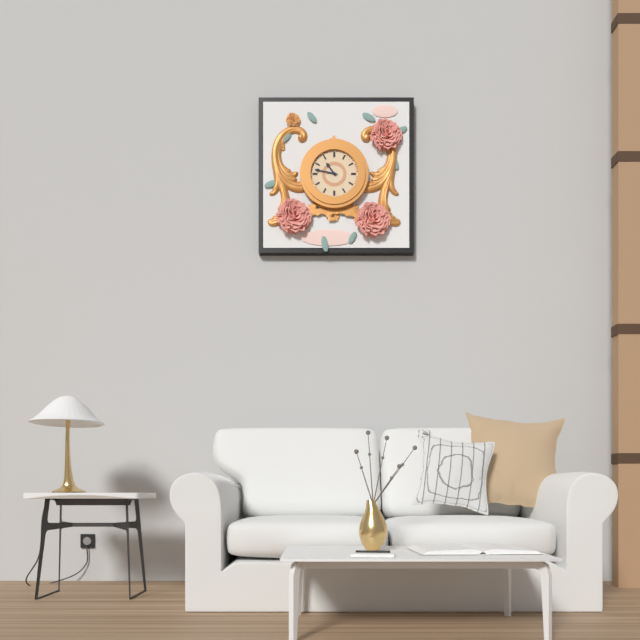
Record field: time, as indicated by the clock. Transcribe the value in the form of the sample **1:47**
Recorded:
**10:47**
